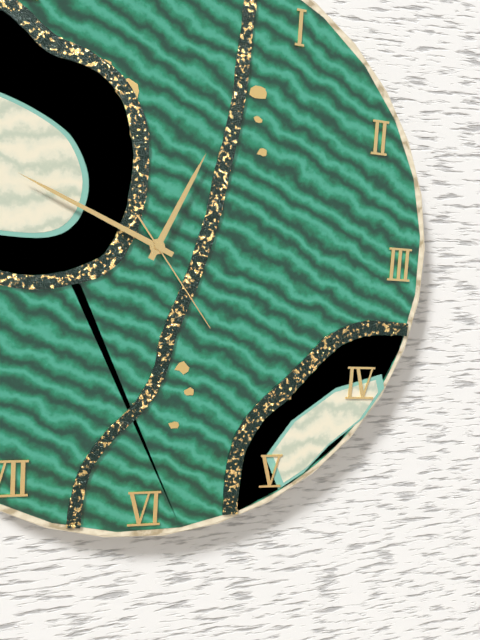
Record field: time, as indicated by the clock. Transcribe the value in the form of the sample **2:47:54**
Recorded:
**12:49:24**
